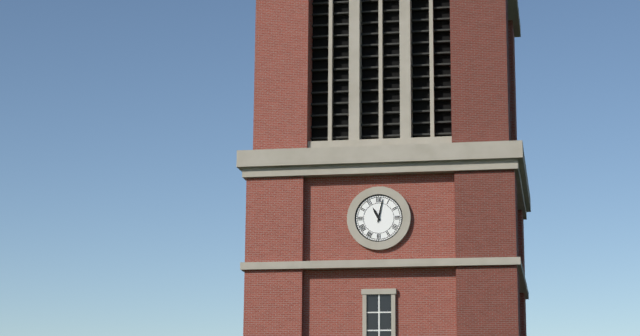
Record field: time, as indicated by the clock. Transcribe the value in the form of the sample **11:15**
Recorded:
**11:02**
